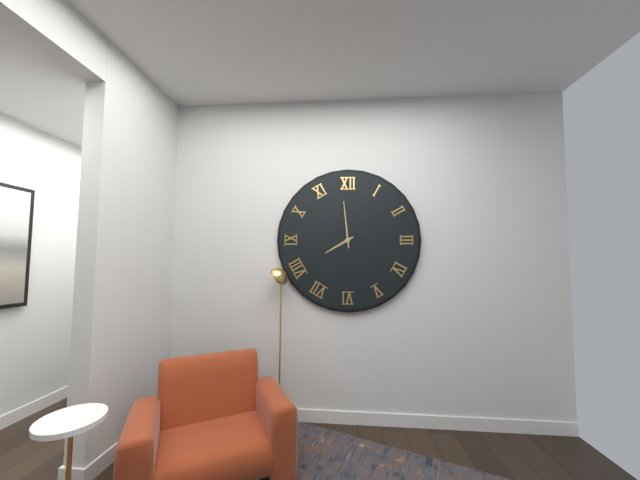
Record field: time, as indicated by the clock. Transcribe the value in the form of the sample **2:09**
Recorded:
**7:59**
